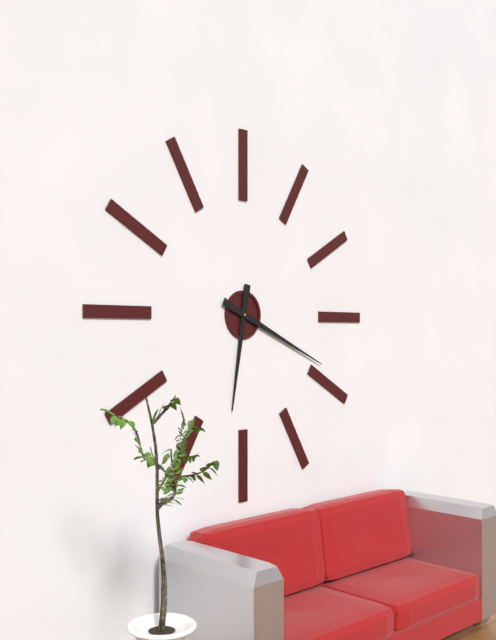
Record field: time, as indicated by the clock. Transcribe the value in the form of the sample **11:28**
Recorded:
**6:19**
